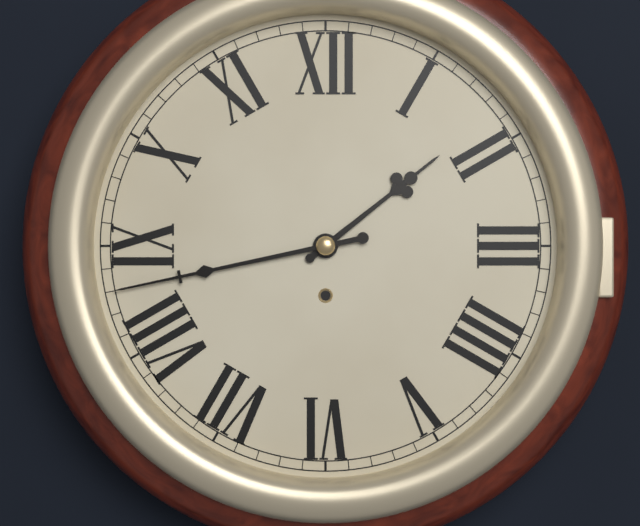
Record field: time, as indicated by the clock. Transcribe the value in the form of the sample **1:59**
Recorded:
**1:43**
